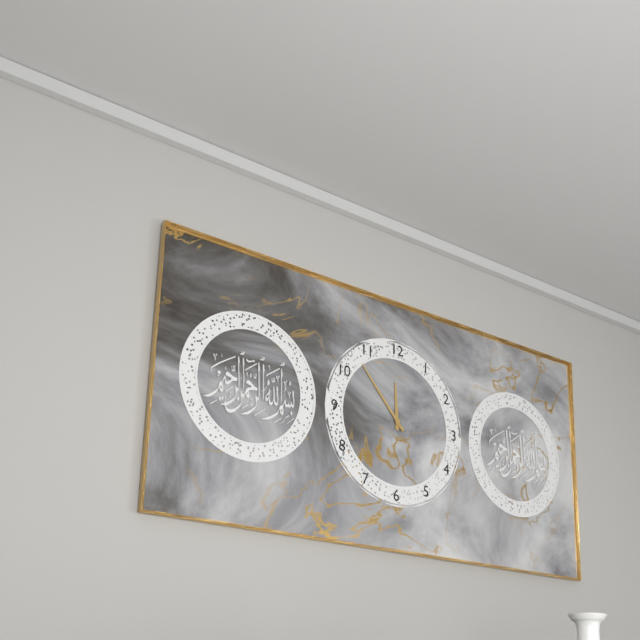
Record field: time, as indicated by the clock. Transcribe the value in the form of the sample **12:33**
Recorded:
**11:53**
